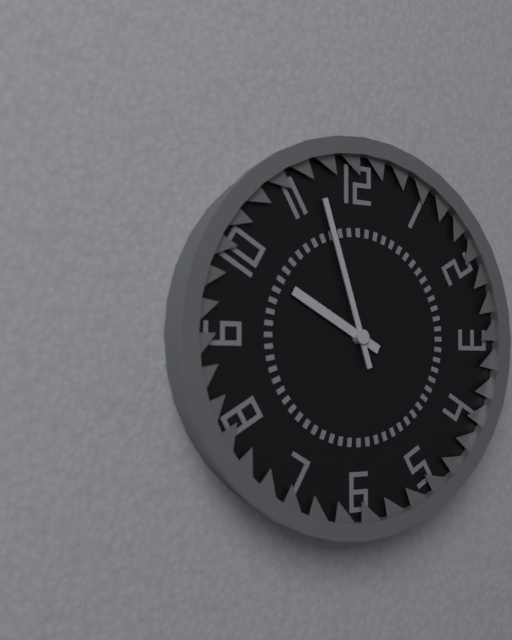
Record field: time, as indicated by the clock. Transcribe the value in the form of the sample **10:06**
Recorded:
**9:57**
